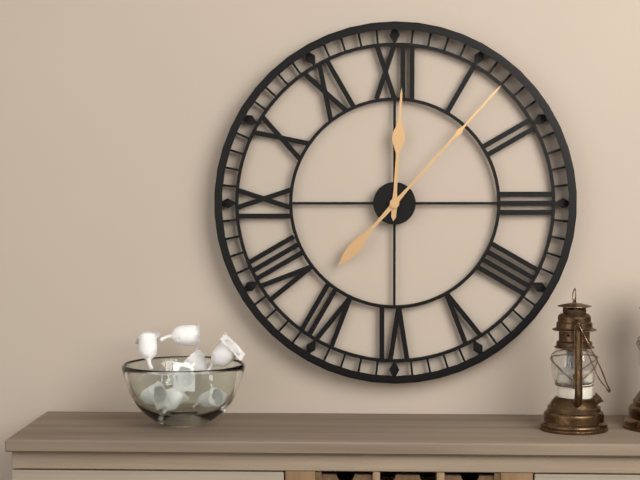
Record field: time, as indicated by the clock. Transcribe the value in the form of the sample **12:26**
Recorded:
**12:07**
